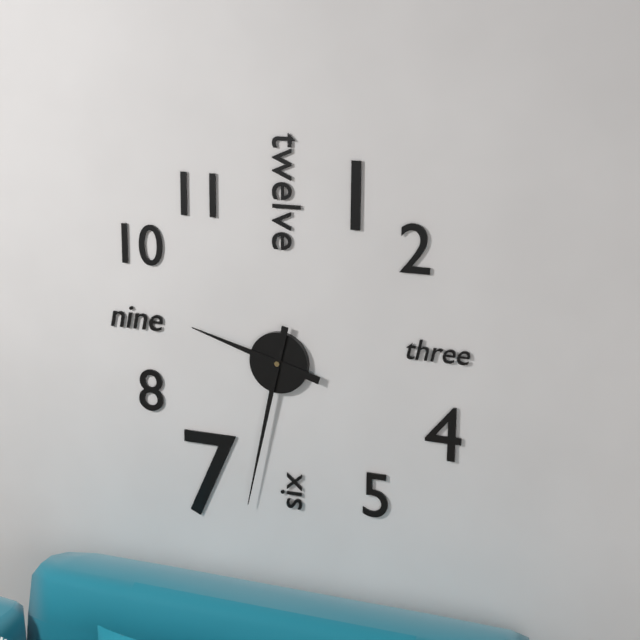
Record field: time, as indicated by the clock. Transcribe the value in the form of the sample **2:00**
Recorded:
**9:32**
